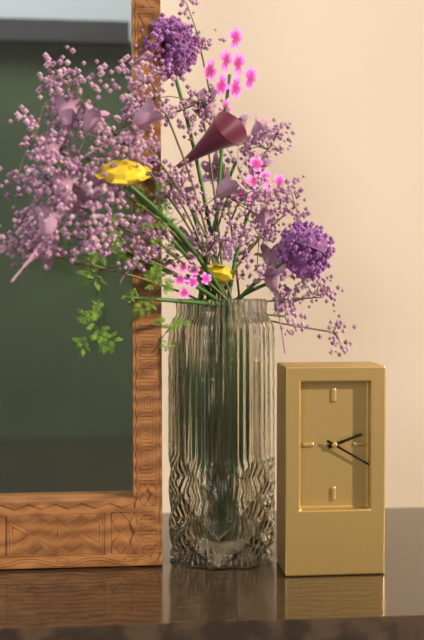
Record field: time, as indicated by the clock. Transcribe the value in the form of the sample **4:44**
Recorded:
**2:20**
